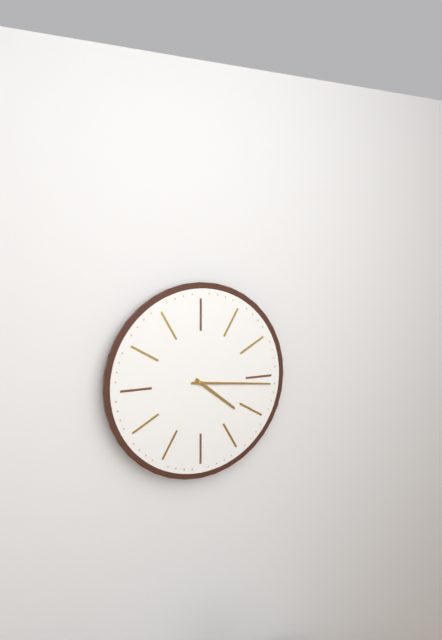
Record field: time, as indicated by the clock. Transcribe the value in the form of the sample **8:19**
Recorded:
**4:16**
